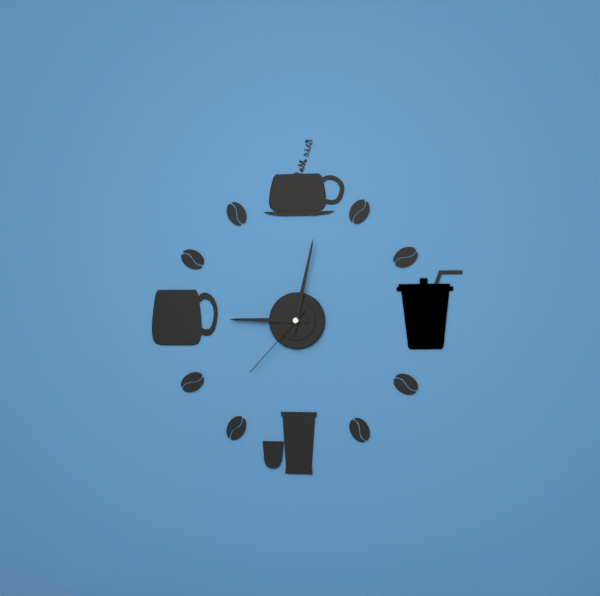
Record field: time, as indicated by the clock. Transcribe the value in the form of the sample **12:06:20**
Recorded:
**9:02:37**
